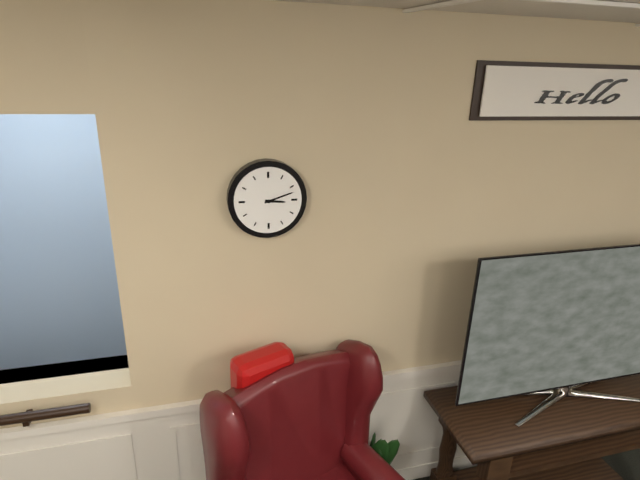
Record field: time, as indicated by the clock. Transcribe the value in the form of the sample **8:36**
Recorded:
**3:12**
